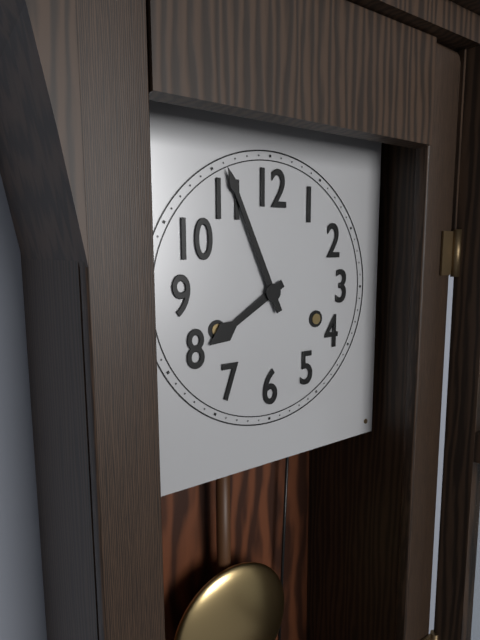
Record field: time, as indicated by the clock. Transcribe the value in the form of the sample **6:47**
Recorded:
**7:56**
